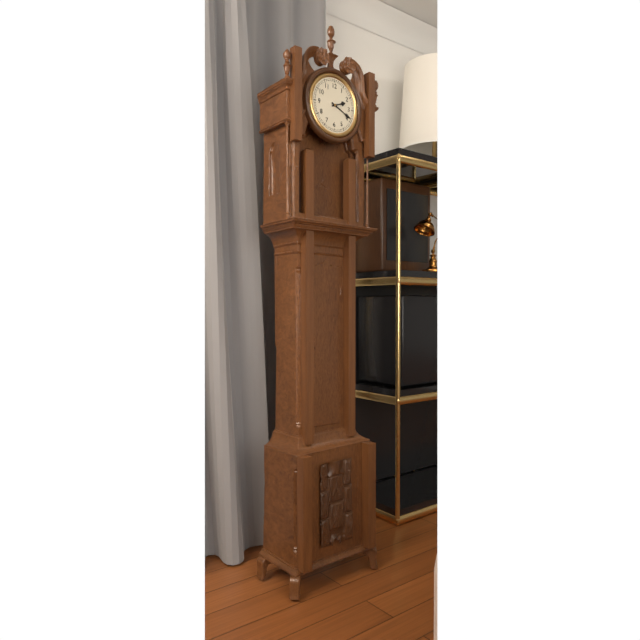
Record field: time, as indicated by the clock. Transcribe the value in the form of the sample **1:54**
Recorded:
**2:19**
